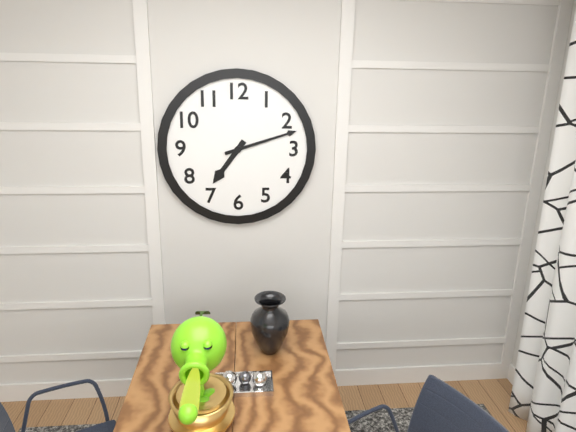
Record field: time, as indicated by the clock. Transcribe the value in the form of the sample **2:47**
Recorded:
**7:12**
